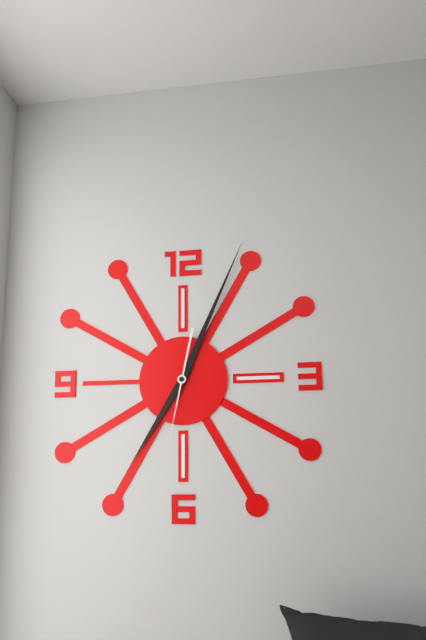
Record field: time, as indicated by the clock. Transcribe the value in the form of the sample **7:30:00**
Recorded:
**7:04:32**
